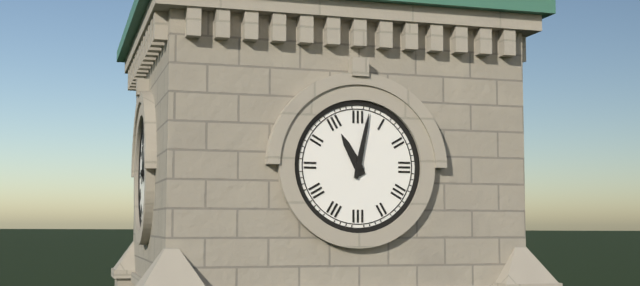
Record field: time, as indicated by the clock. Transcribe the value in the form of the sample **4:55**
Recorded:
**11:02**
